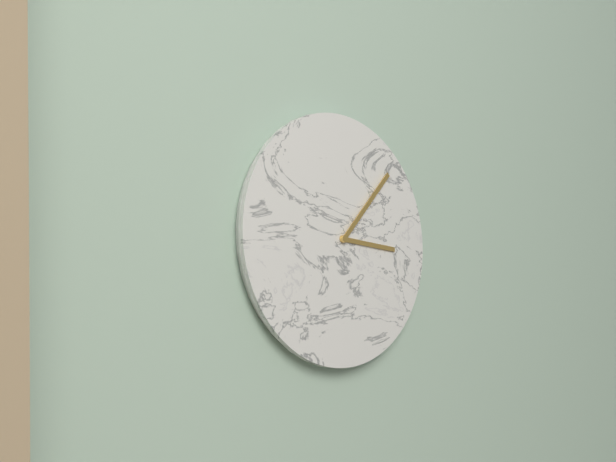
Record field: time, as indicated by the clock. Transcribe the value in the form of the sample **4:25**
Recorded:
**3:07**
